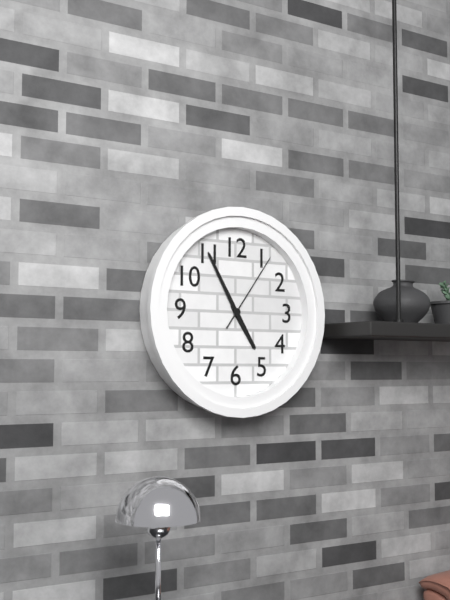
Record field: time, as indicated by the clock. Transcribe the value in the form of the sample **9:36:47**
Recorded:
**4:55:06**
